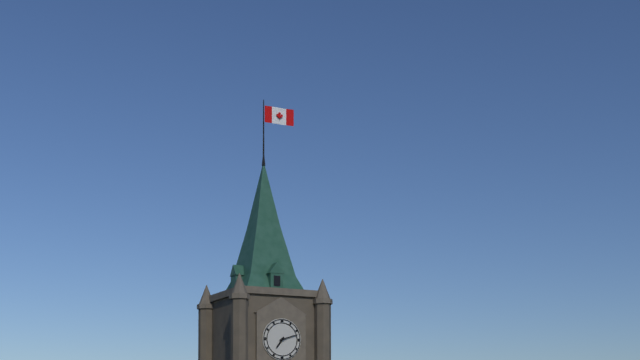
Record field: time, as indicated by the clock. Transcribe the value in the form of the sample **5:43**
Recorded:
**7:12**
